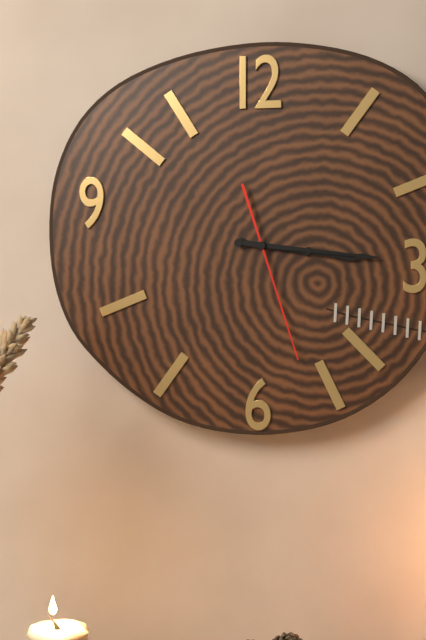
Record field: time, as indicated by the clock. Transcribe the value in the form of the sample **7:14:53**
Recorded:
**3:16:27**
